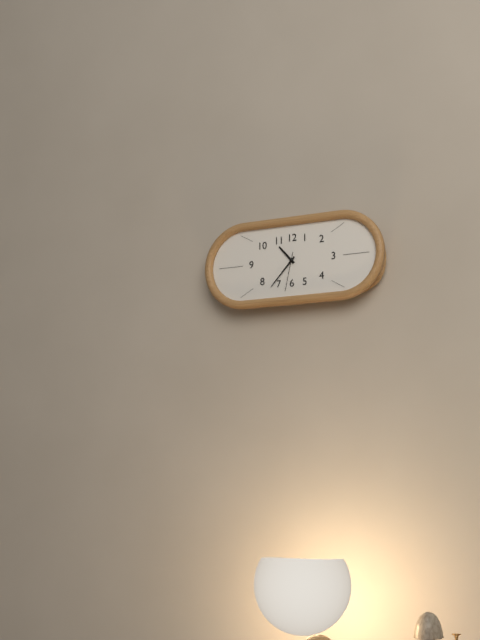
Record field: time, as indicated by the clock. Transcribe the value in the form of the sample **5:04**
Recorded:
**10:37**
